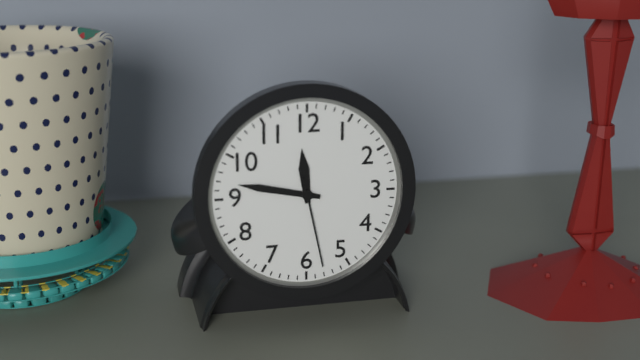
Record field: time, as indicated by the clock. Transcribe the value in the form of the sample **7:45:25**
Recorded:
**11:47:28**
